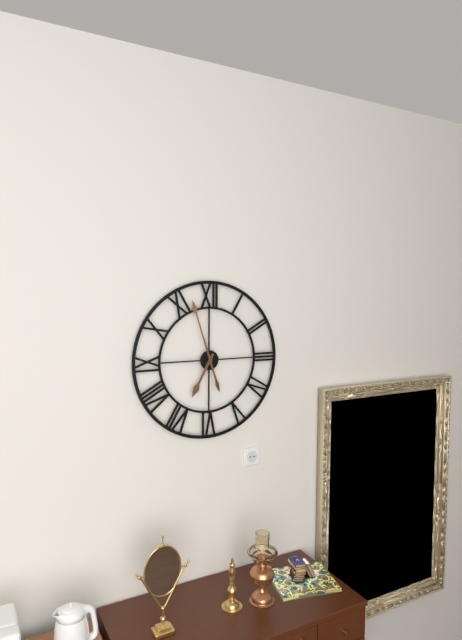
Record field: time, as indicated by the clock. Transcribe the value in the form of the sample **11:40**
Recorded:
**6:57**
